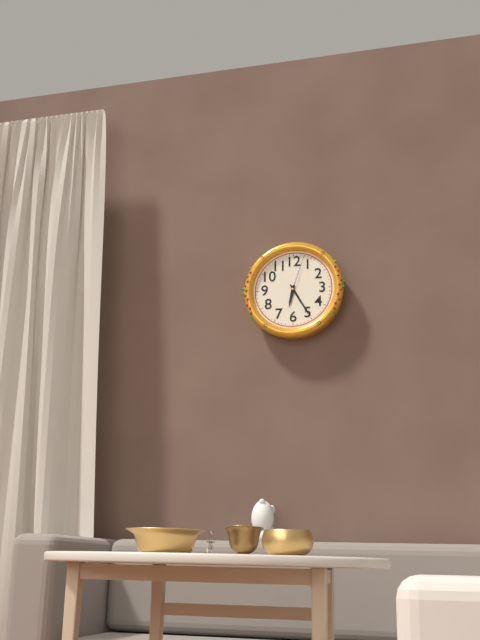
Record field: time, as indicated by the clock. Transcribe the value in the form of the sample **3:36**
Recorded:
**6:25**
